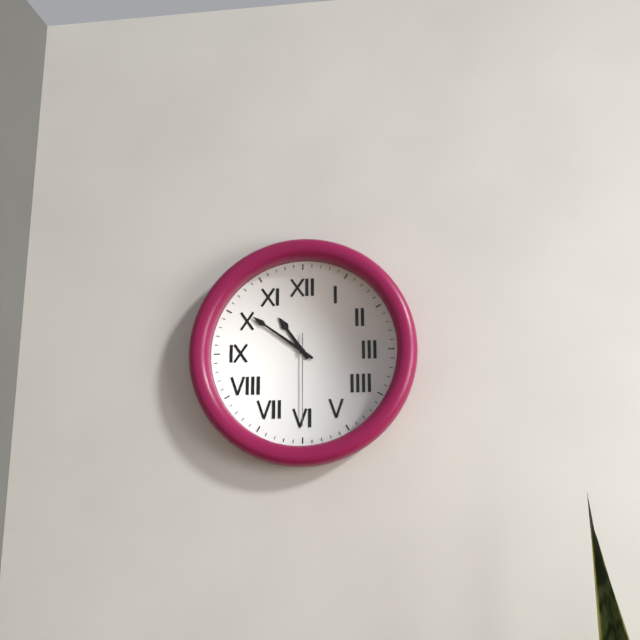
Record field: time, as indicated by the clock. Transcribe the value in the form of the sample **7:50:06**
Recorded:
**10:51:30**
